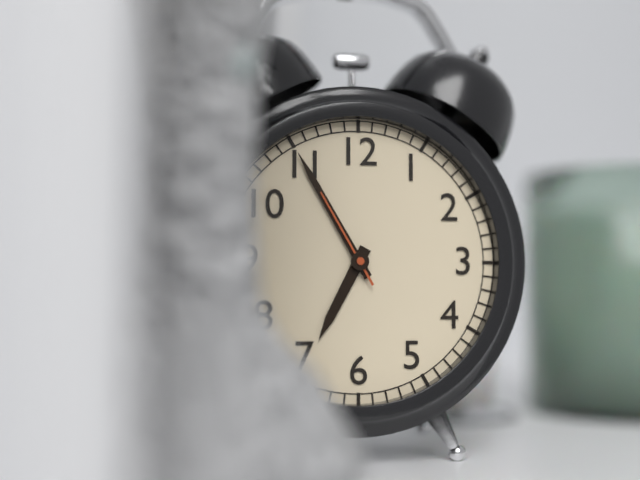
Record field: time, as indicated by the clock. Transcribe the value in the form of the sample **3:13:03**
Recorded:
**6:55:55**
